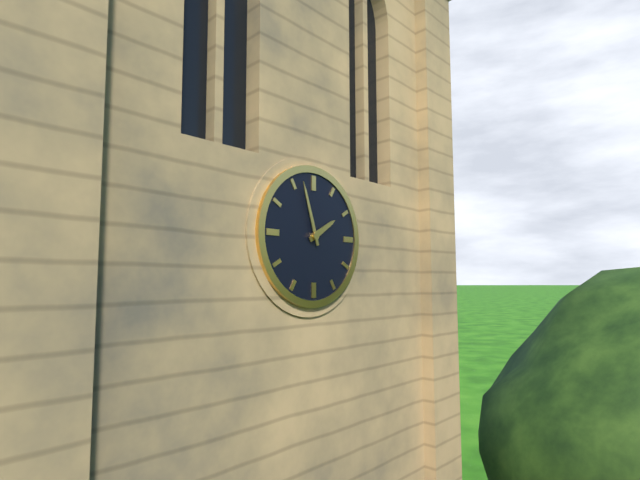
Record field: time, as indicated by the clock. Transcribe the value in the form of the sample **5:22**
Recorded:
**1:57**
